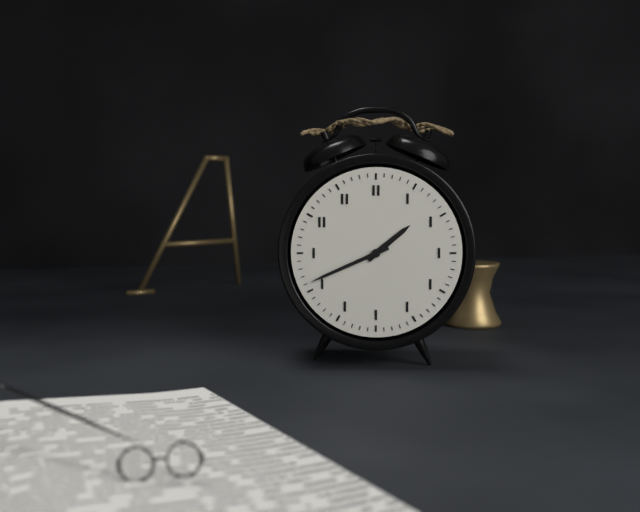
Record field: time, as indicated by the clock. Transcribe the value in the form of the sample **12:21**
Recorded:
**1:41**
